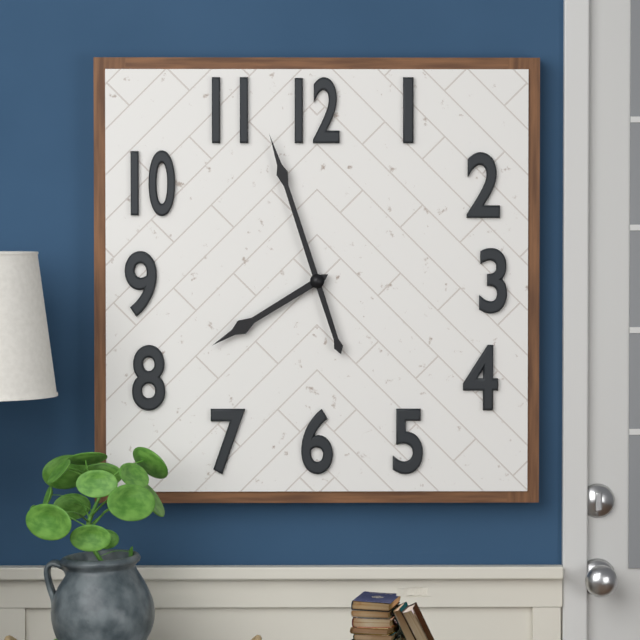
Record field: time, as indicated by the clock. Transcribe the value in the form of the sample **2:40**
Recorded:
**7:57**
